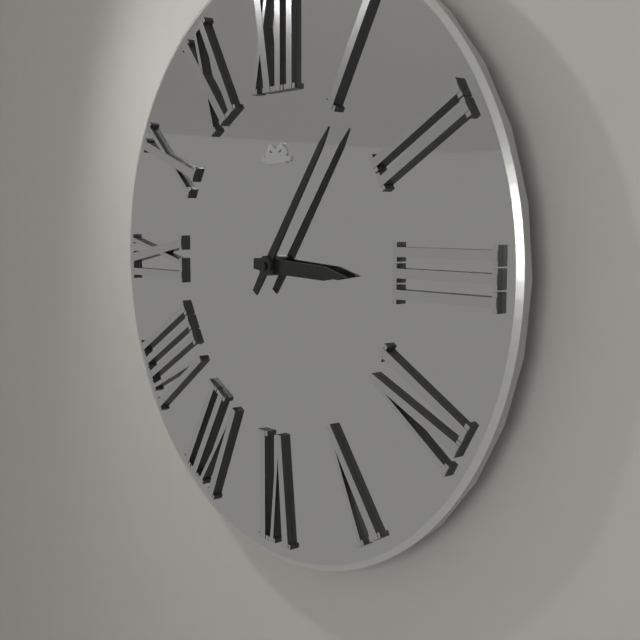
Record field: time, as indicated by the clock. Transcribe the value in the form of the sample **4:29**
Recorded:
**3:06**
